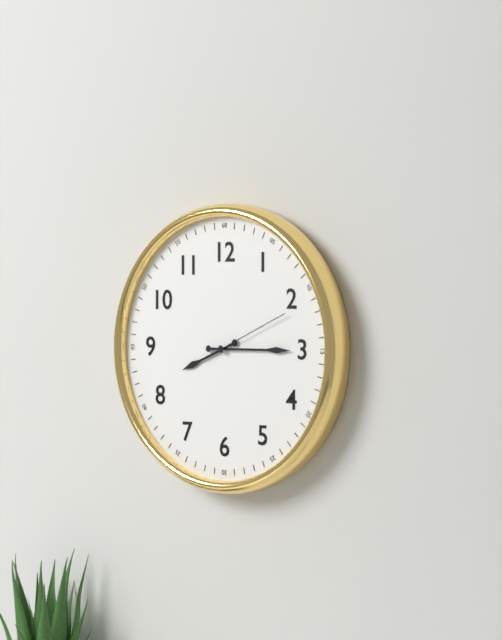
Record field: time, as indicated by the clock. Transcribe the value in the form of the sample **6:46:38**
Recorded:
**8:15:11**
